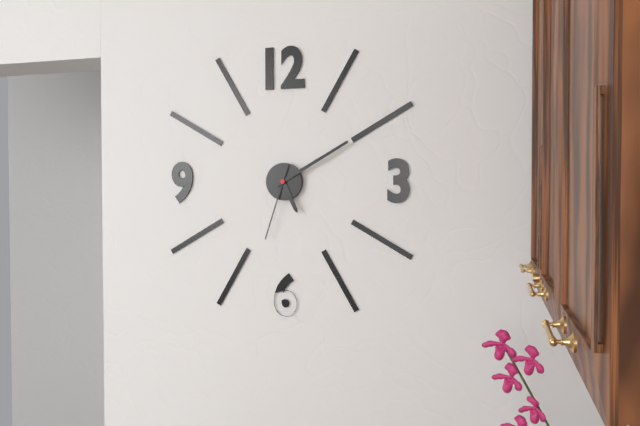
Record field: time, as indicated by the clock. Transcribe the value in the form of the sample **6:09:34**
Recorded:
**5:10:33**
